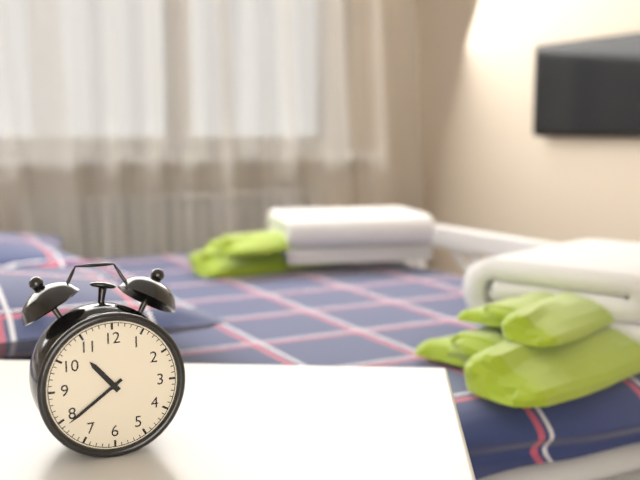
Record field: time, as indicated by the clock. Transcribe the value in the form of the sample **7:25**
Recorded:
**10:39**
